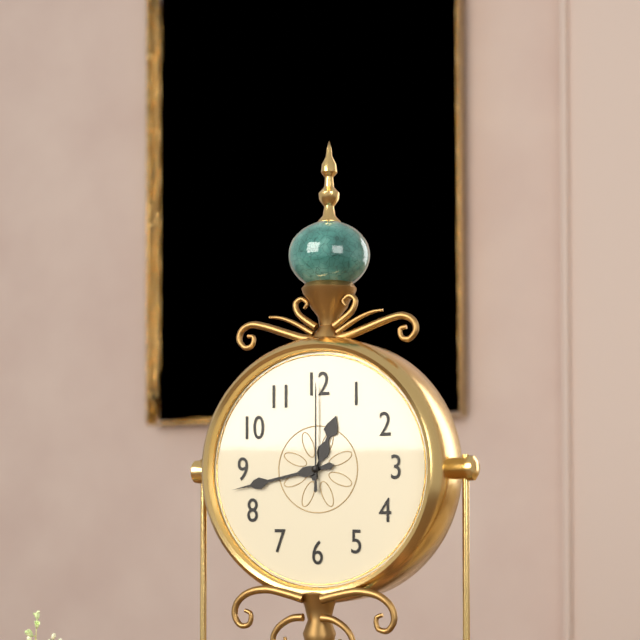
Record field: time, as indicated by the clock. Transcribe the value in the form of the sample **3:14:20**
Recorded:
**12:43:00**
